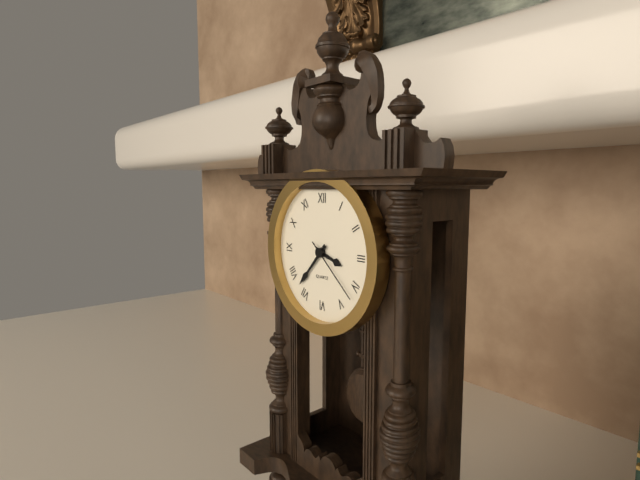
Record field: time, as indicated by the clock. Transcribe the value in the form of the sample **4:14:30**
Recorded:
**3:37:22**
